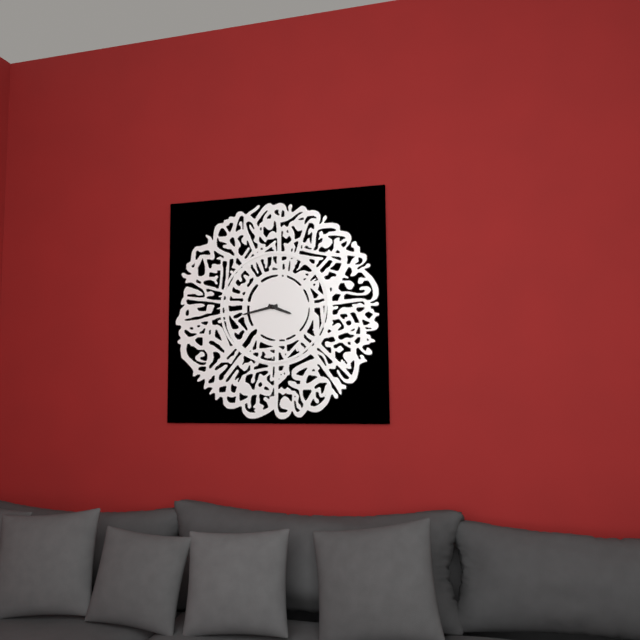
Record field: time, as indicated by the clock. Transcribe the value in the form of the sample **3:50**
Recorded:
**3:43**
